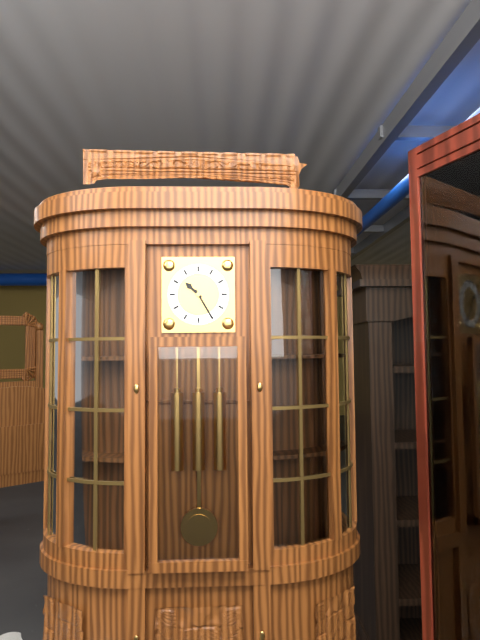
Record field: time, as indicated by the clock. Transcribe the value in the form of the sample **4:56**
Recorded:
**10:25**
